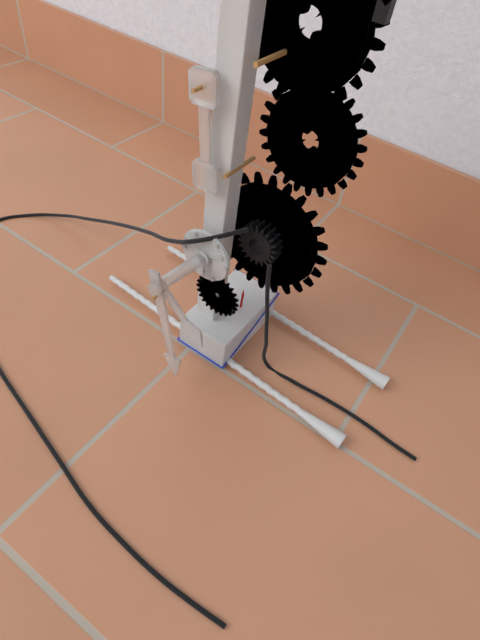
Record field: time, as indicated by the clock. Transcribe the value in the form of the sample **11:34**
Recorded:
**4:28**
